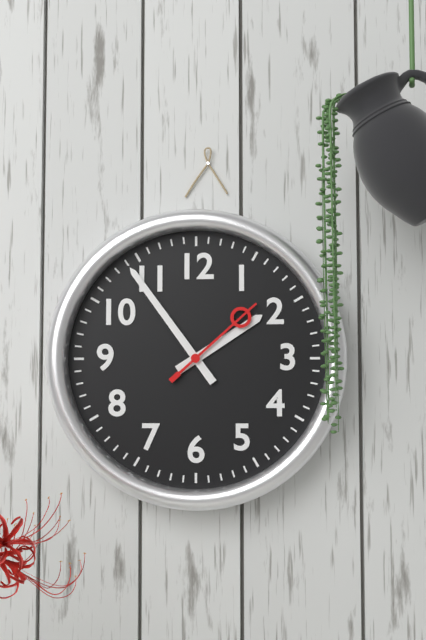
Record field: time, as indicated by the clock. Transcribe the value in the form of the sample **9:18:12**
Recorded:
**1:54:08**
